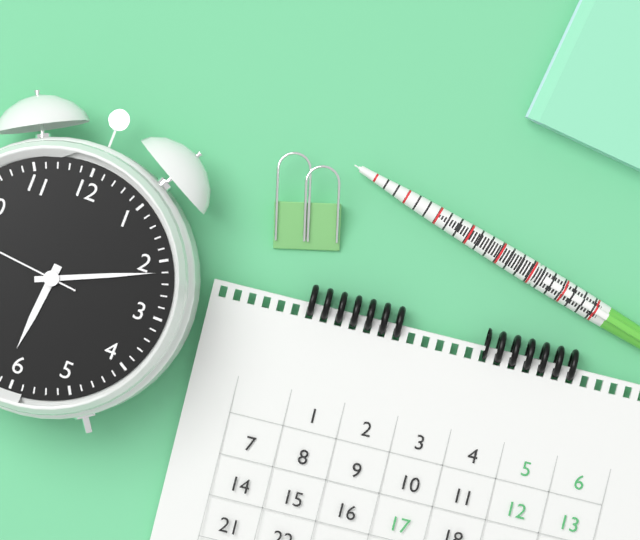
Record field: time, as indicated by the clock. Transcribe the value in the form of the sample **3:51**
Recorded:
**6:11**
